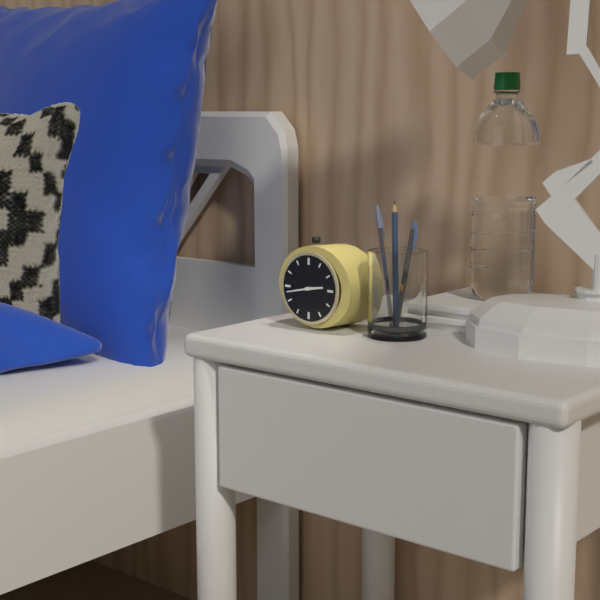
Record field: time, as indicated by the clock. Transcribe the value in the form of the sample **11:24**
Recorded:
**2:43**
